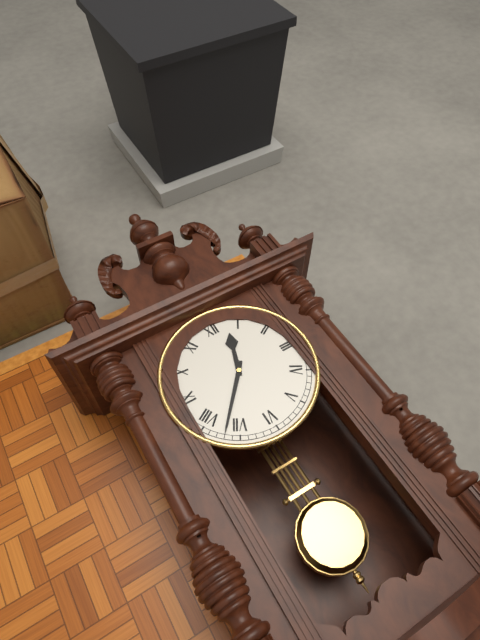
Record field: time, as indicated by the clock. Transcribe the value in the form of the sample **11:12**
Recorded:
**12:37**
